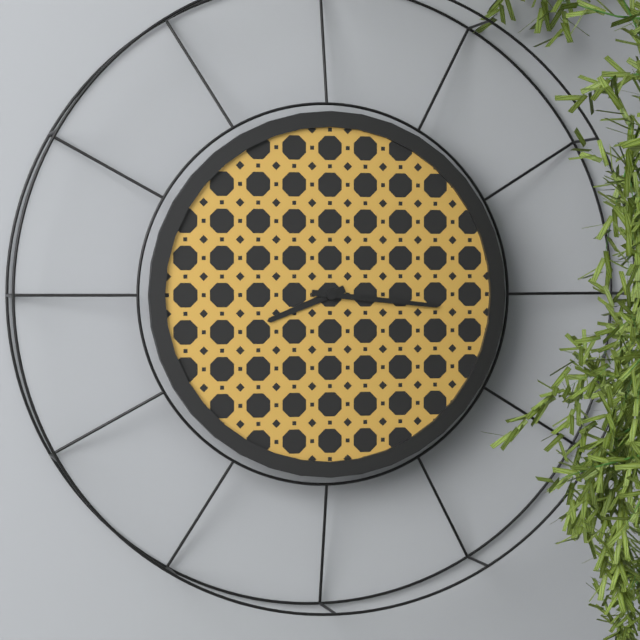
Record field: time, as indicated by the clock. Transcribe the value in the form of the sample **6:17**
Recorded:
**8:16**
